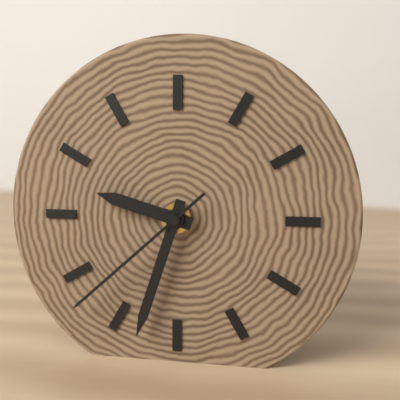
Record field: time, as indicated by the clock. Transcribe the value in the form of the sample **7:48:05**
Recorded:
**9:33:38**
